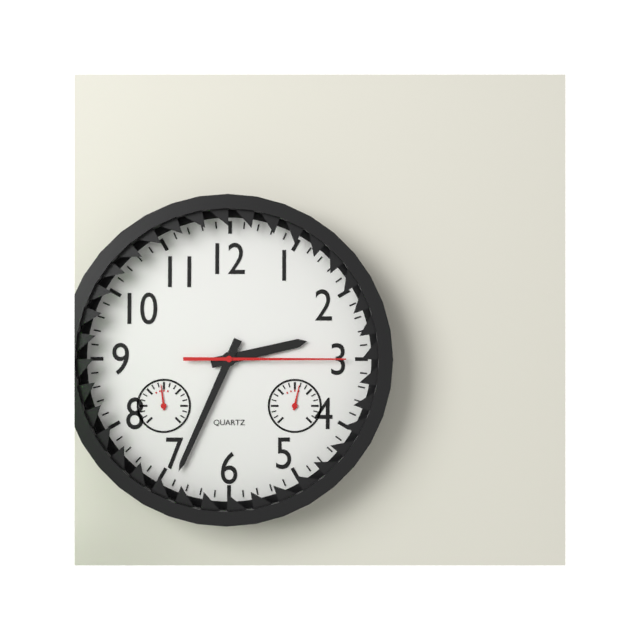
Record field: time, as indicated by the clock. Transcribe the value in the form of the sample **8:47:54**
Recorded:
**2:34:15**
